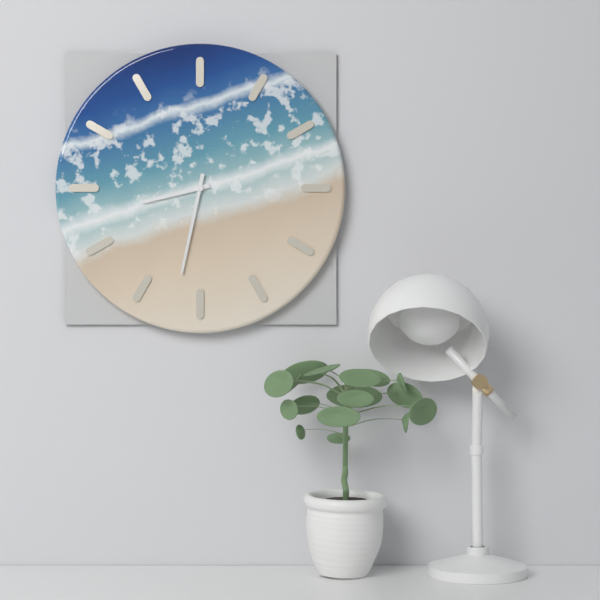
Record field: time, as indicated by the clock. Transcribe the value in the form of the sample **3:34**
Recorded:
**8:32**
